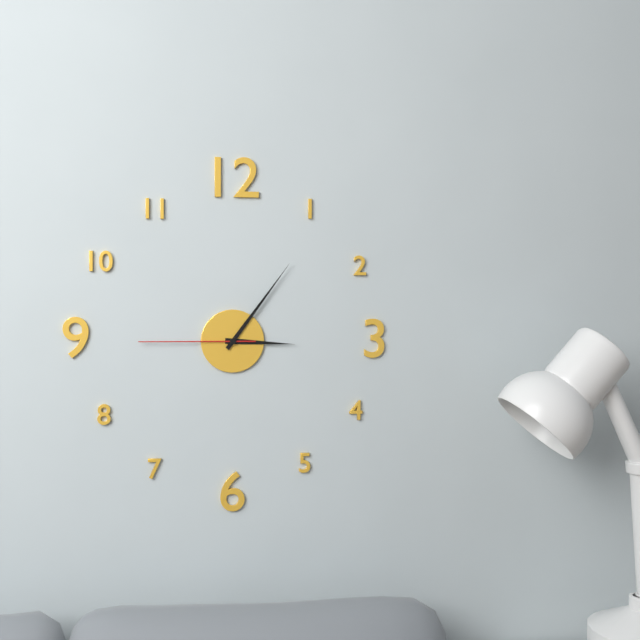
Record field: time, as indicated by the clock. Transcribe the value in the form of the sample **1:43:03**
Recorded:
**3:06:45**
